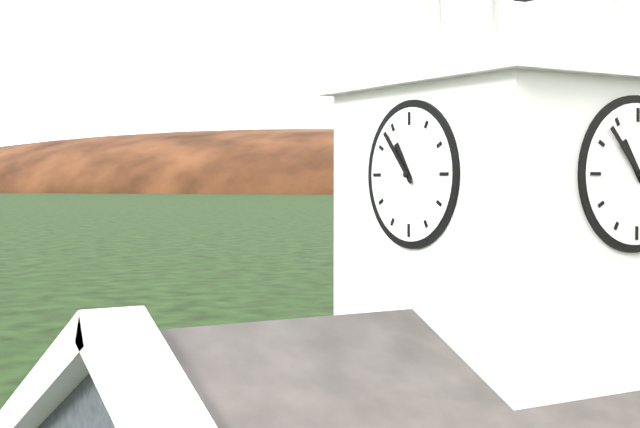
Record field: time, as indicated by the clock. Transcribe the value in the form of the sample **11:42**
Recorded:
**10:53**
